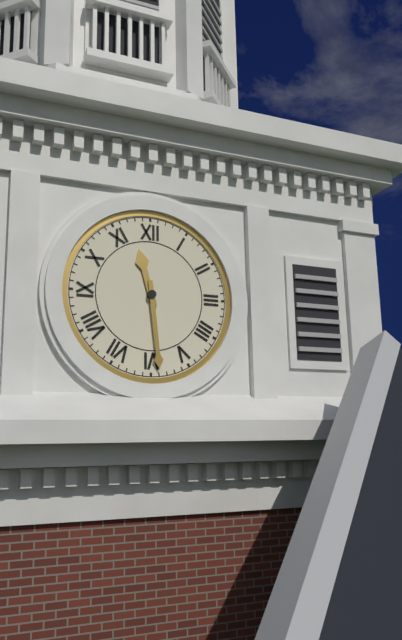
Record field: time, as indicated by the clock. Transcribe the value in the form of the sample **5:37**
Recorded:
**11:29**
